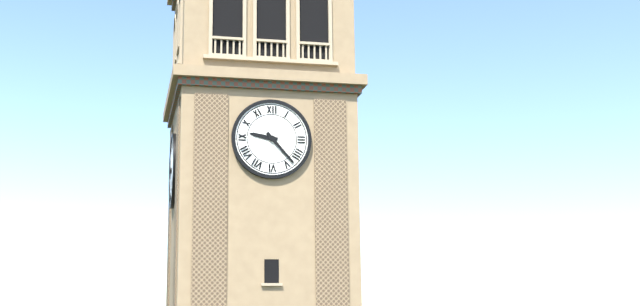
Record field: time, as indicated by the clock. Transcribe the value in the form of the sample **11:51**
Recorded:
**9:23**
